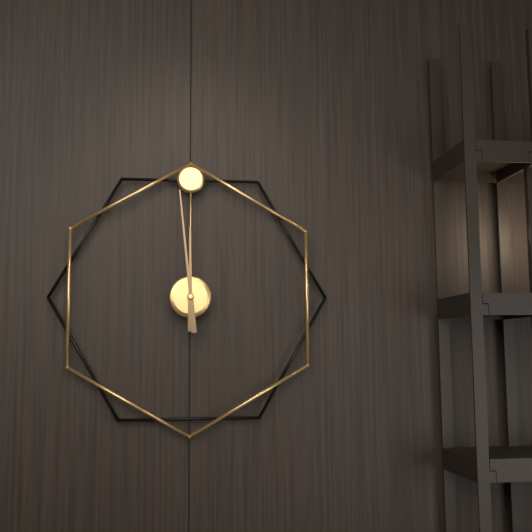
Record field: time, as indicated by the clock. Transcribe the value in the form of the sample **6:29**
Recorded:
**11:59**
